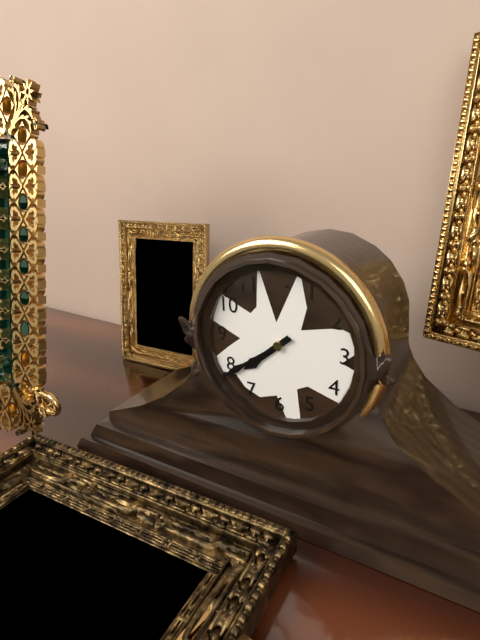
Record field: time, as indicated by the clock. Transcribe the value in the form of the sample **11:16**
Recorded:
**7:39**
